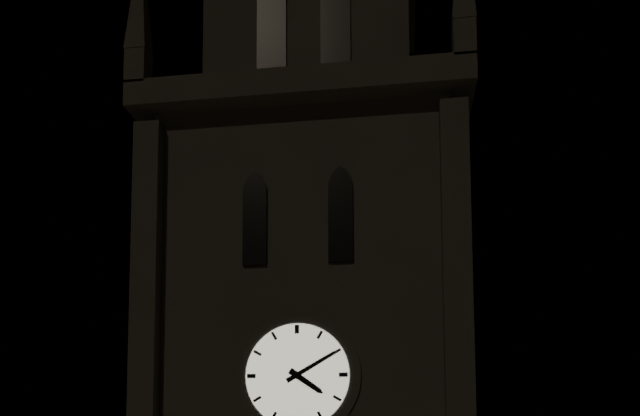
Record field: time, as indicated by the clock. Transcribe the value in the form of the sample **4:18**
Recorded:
**4:10**
